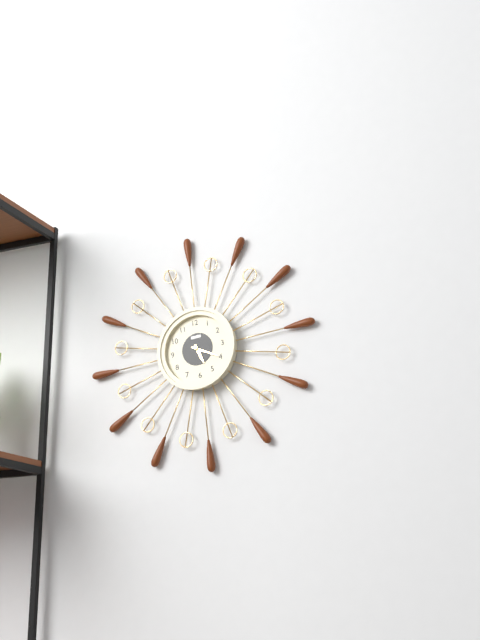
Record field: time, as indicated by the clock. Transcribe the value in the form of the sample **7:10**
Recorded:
**5:20**
